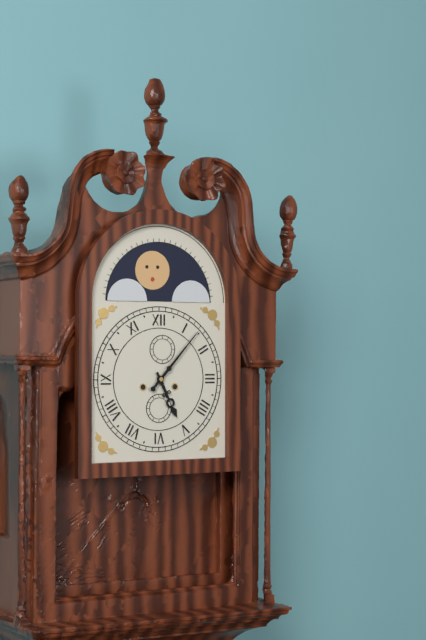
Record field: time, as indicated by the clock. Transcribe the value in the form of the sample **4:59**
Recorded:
**5:07**
